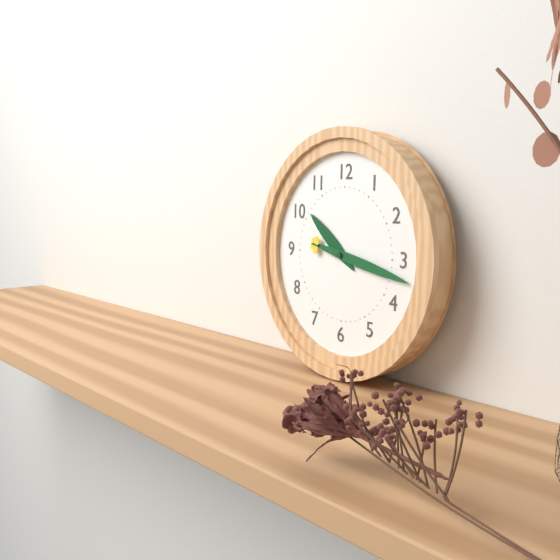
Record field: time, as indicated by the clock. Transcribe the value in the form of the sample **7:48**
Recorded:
**10:17**
